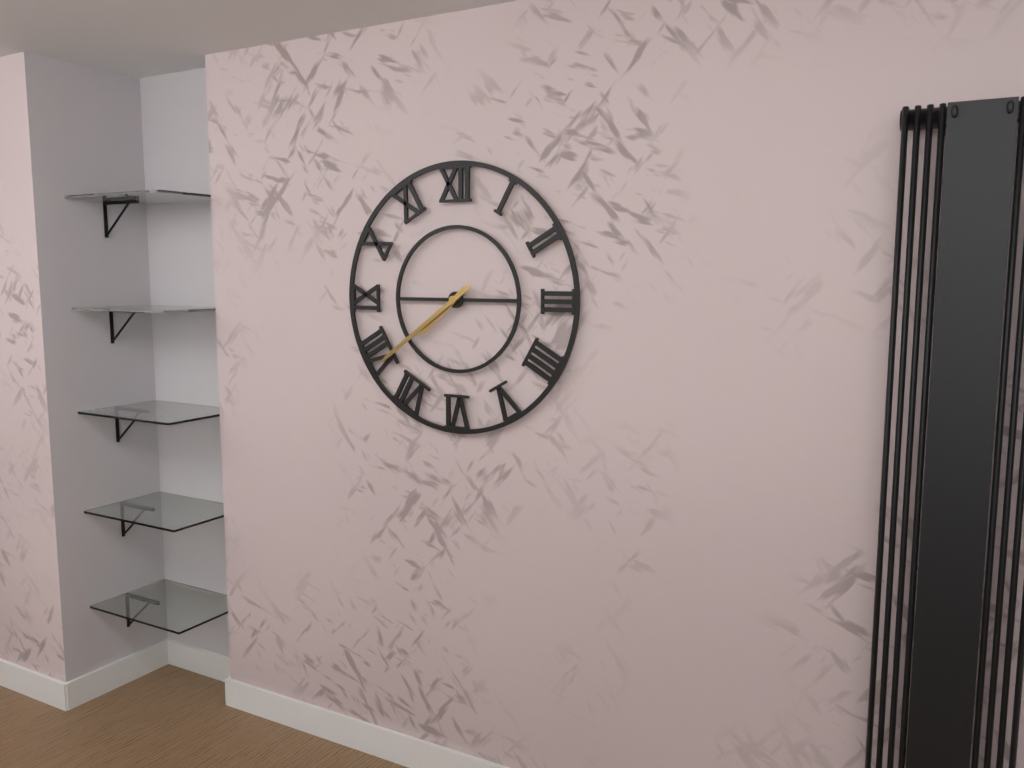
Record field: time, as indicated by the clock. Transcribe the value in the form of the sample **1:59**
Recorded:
**7:39**
